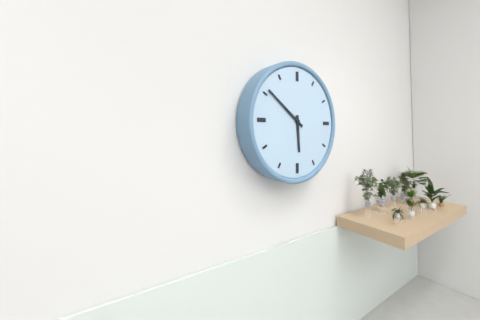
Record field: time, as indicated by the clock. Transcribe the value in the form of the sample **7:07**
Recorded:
**5:51**
